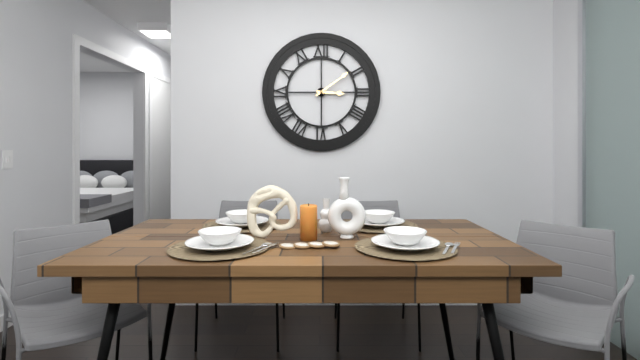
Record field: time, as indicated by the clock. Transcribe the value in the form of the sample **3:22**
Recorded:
**3:09**
